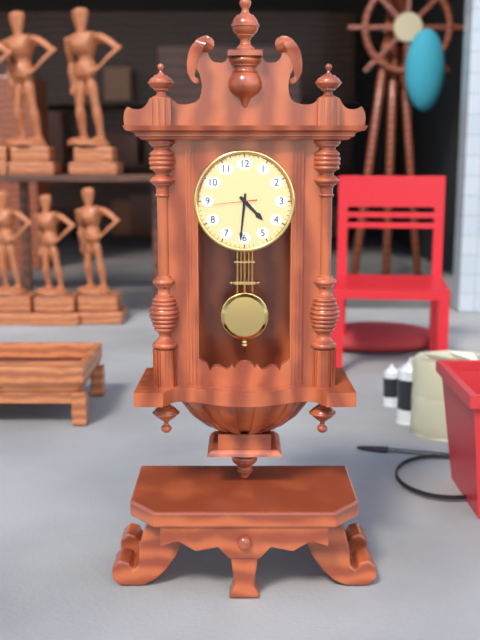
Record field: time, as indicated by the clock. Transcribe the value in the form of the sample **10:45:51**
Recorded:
**4:31:44**
